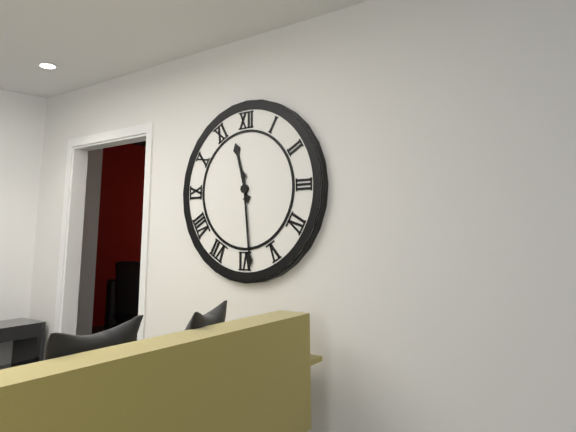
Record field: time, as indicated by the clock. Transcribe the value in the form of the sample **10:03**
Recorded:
**11:29**
